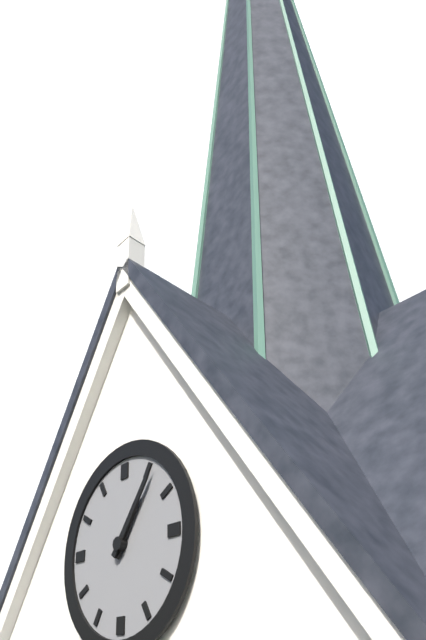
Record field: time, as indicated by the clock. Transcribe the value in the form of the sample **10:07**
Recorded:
**1:06**
